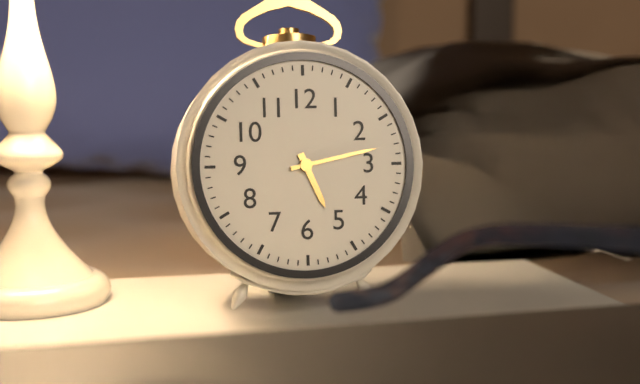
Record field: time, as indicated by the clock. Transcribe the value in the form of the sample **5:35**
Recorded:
**5:13**
